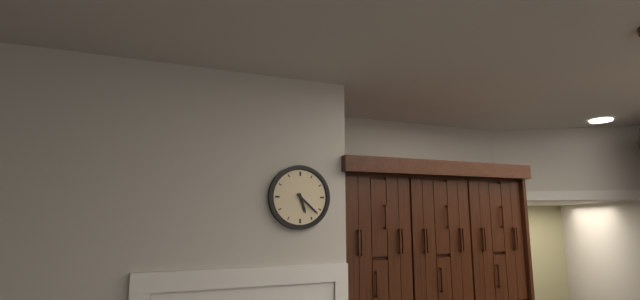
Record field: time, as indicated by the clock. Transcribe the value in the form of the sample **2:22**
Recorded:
**5:22**
